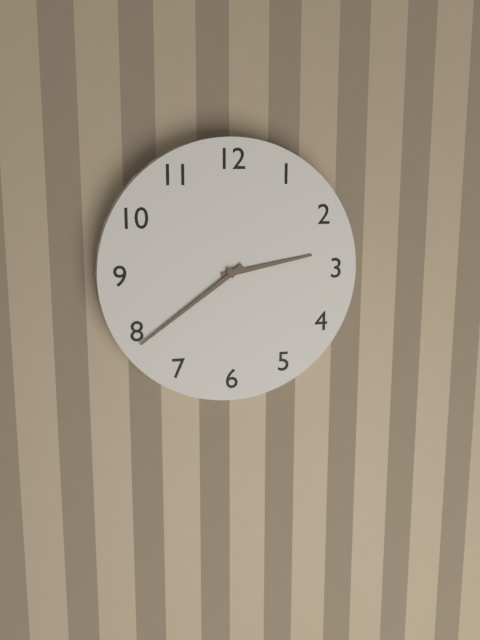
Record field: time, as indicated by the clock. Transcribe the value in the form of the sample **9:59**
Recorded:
**2:39**
